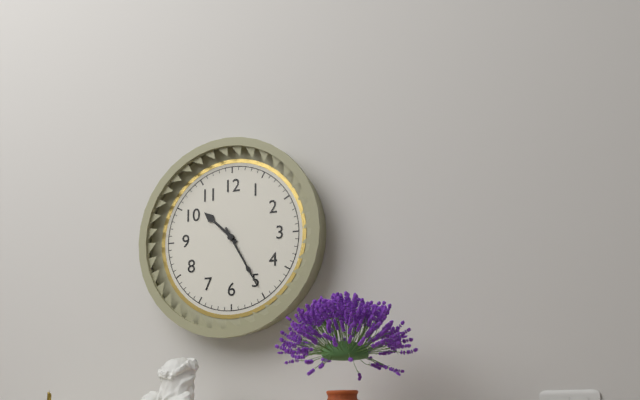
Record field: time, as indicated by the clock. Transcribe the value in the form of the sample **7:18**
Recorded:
**10:25**
